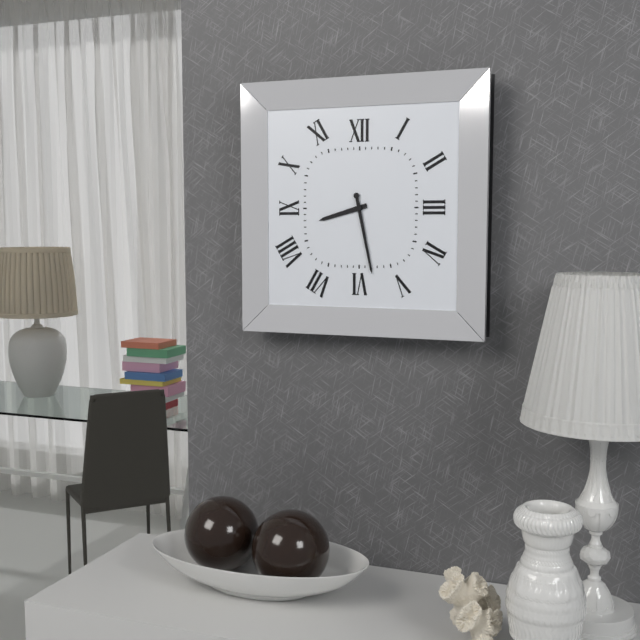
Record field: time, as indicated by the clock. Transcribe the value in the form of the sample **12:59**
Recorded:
**8:28**
